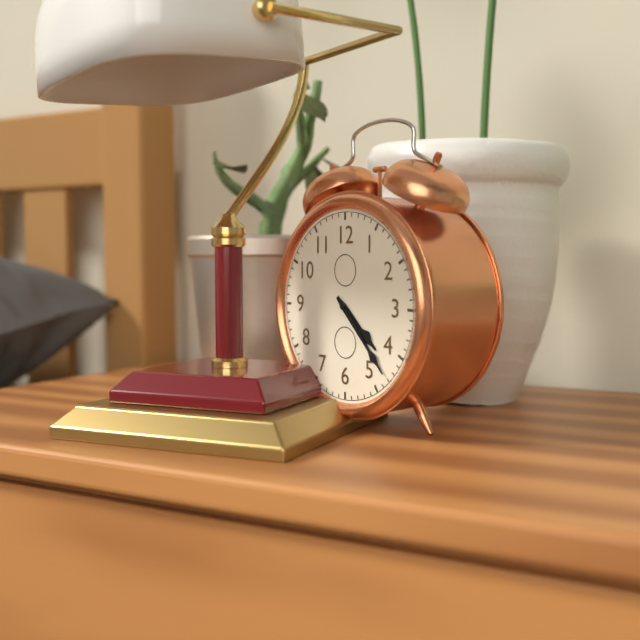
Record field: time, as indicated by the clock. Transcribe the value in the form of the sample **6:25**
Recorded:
**4:23**
